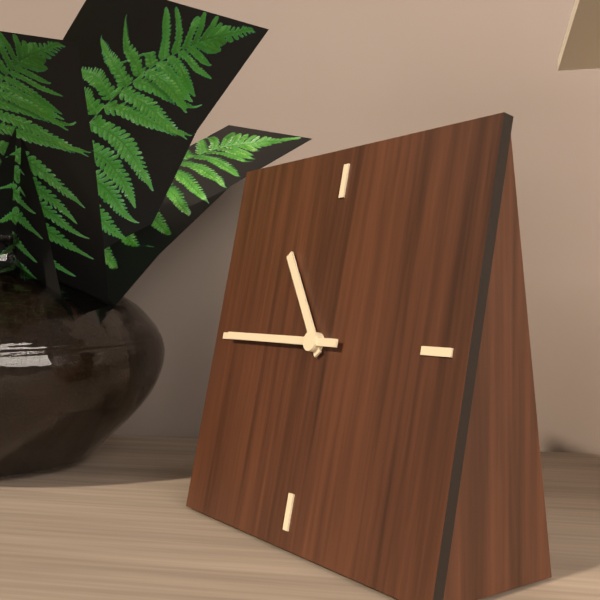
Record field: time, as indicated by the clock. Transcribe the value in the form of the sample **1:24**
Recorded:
**10:45**
